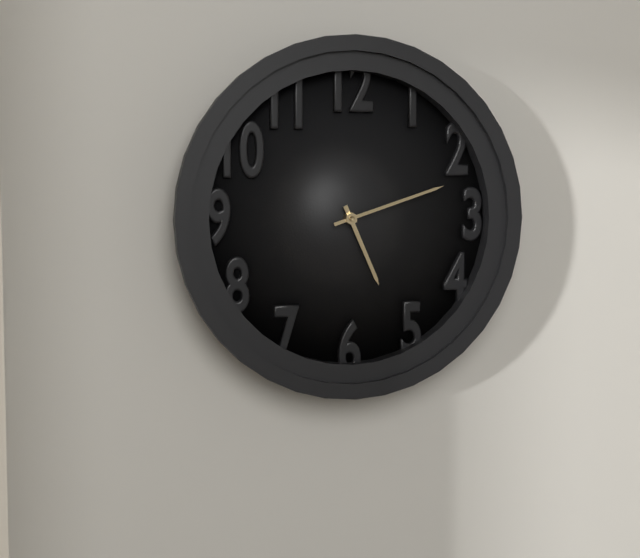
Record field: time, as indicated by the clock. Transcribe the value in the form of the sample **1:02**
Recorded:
**5:12**
